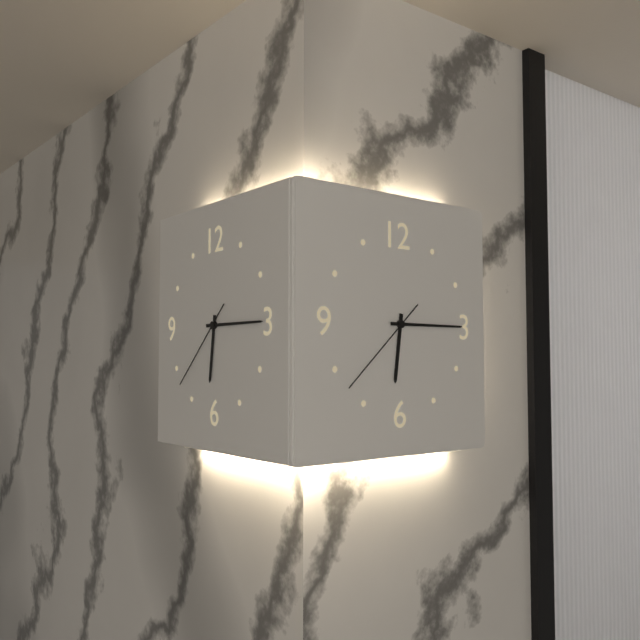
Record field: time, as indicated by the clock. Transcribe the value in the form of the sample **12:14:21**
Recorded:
**6:15:38**
